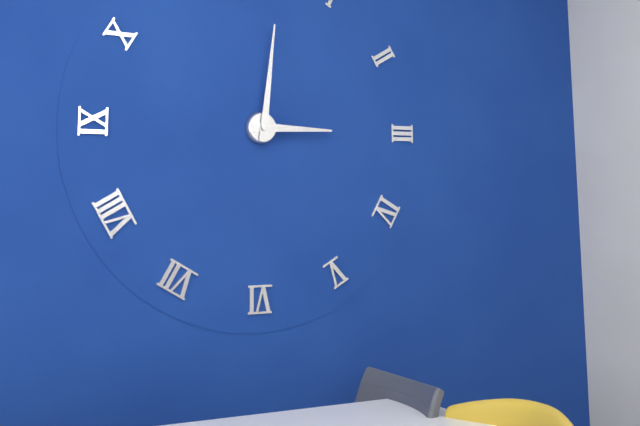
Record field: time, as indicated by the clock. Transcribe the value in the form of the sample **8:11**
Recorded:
**3:01**
